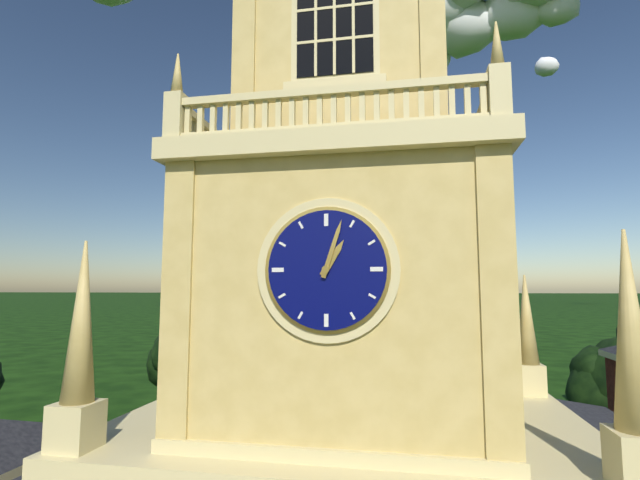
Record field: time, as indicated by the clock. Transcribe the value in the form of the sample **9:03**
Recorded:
**1:03**
